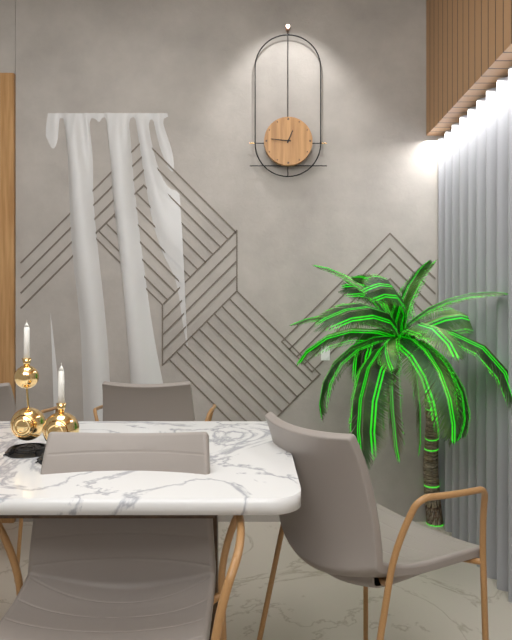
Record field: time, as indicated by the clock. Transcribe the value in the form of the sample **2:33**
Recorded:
**12:46**
